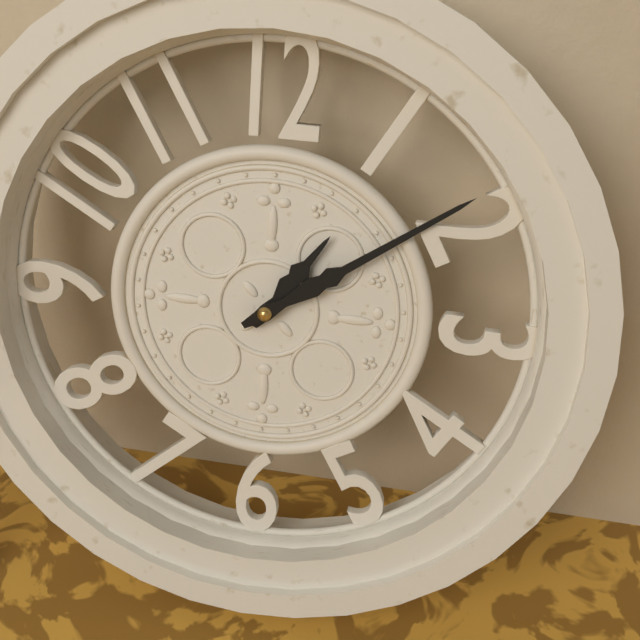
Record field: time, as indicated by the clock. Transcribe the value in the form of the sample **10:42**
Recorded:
**1:09**
